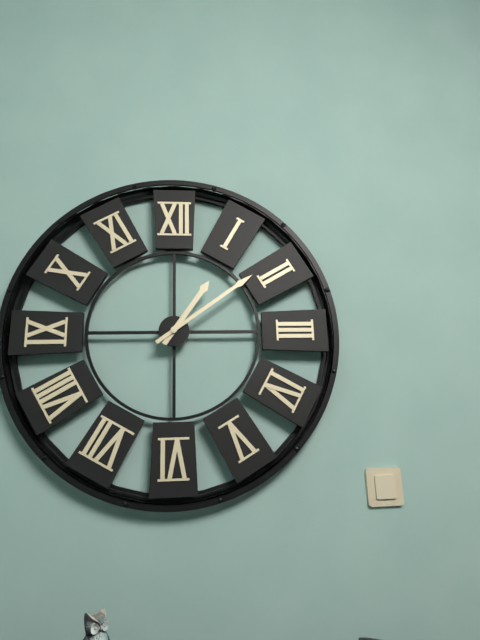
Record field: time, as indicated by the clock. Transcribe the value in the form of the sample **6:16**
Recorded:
**1:09**
